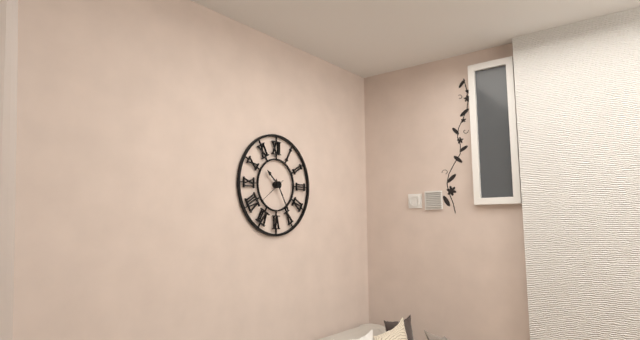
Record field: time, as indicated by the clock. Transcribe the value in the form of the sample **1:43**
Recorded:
**10:25**
